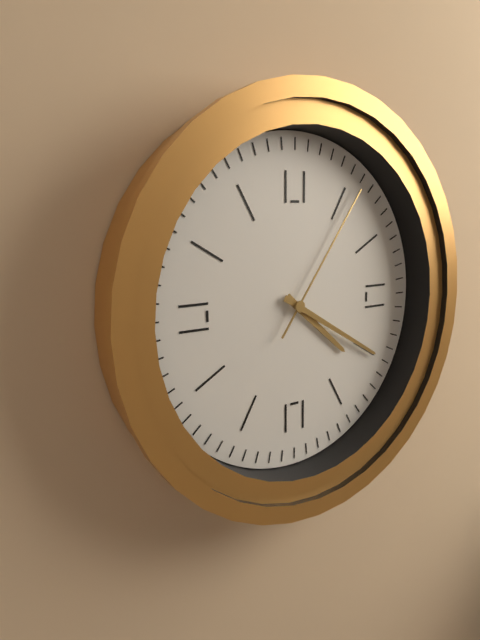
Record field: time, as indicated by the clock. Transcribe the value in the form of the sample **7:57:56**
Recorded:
**4:20:06**
